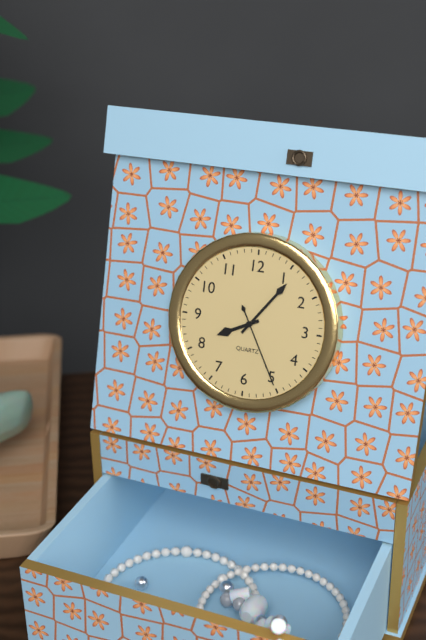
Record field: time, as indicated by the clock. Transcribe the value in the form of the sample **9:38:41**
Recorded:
**8:06:25**
